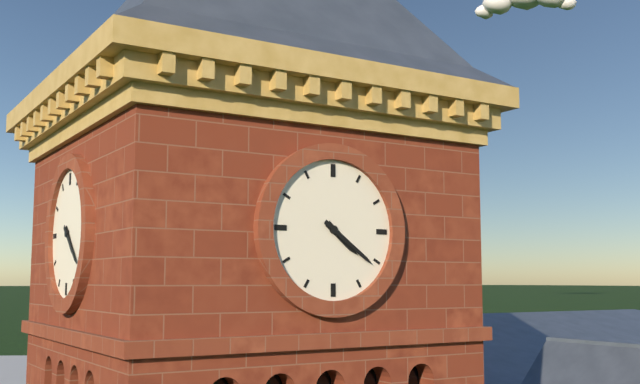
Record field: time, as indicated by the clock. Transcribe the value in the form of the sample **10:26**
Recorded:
**4:21**
